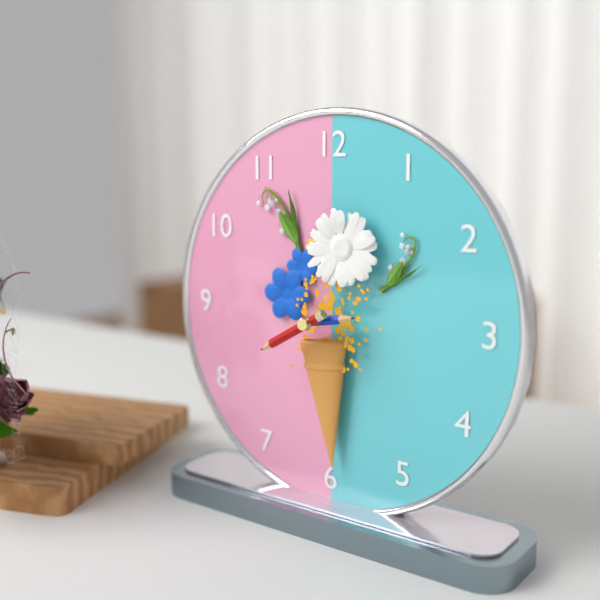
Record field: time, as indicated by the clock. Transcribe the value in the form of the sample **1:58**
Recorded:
**2:40**
